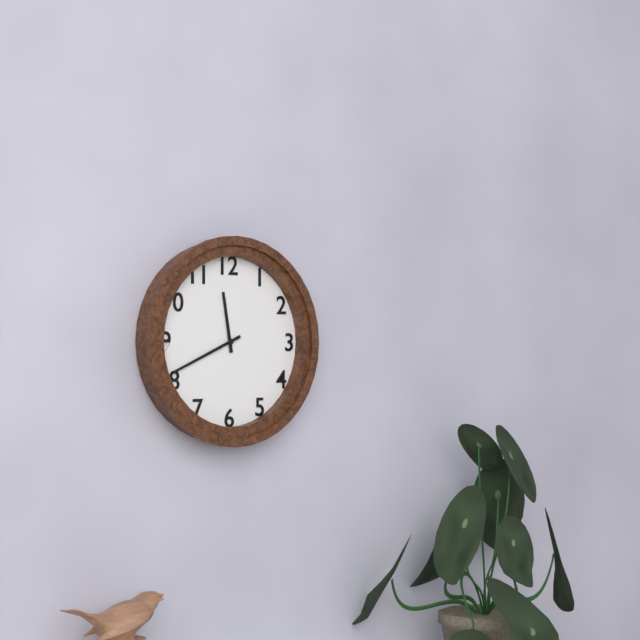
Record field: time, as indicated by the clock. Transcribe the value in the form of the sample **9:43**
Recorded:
**11:41**
